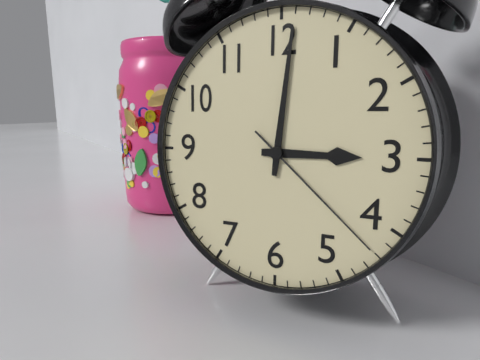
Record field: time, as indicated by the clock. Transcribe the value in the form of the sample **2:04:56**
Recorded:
**3:01:22**
